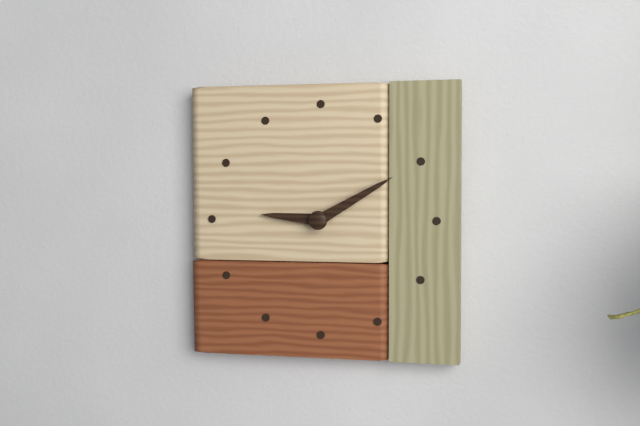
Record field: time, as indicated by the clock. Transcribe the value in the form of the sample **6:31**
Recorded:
**9:10**
